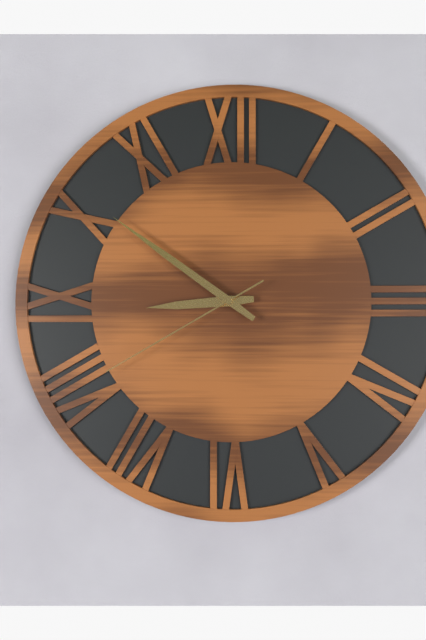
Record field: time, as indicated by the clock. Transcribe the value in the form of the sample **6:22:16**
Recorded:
**8:51:40**
